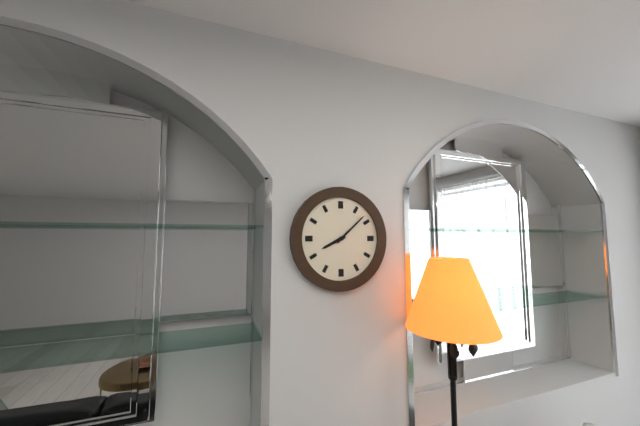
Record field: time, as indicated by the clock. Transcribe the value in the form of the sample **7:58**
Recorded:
**8:08**
